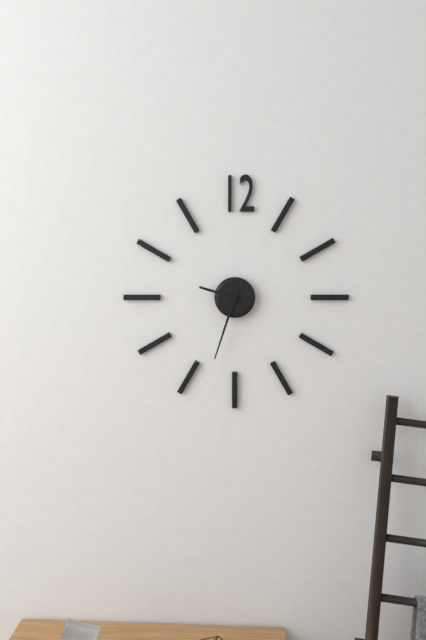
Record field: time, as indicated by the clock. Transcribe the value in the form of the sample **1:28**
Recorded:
**9:33**
